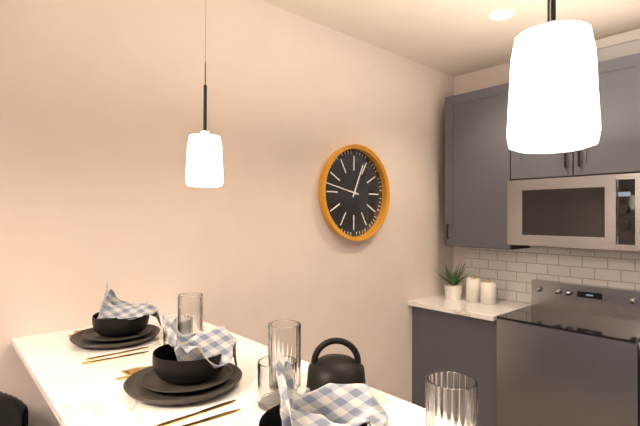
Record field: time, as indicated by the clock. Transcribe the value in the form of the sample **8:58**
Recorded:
**12:47**
